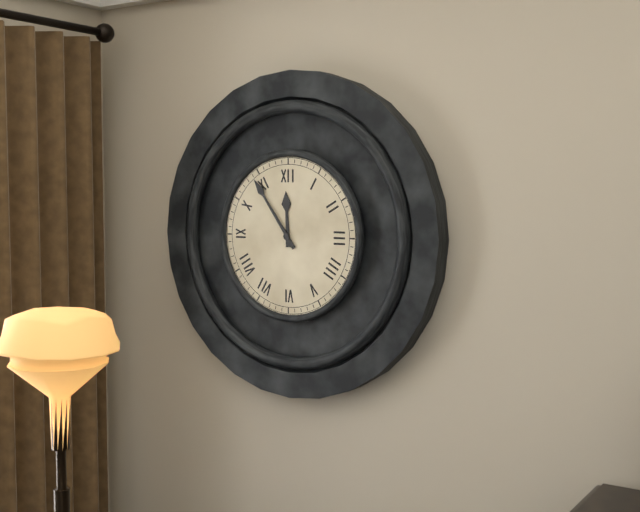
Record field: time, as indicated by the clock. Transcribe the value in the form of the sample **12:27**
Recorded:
**11:54**
